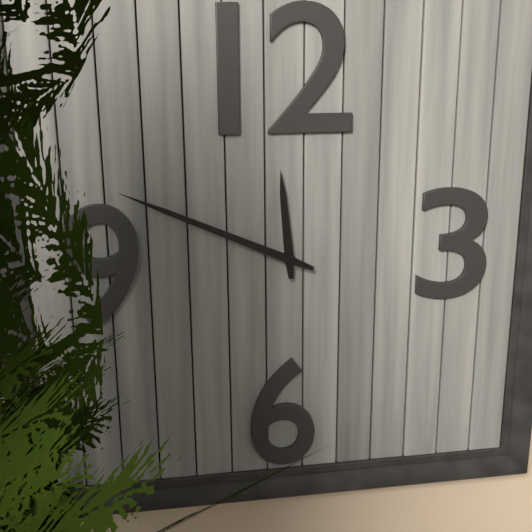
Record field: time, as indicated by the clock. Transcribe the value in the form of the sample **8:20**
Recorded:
**11:49**
